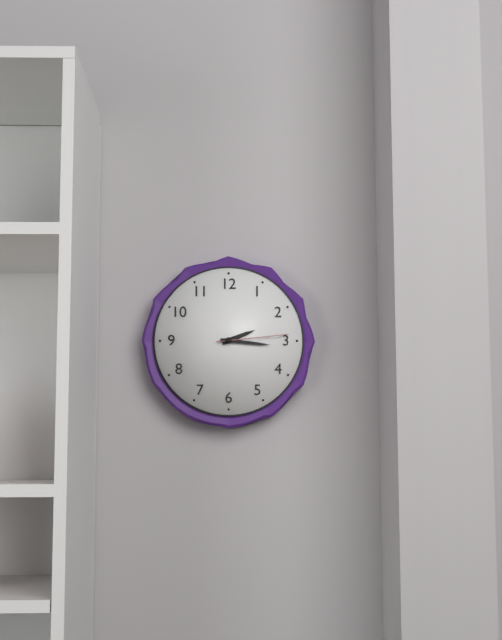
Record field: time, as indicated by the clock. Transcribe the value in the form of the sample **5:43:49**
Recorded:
**2:16:14**
